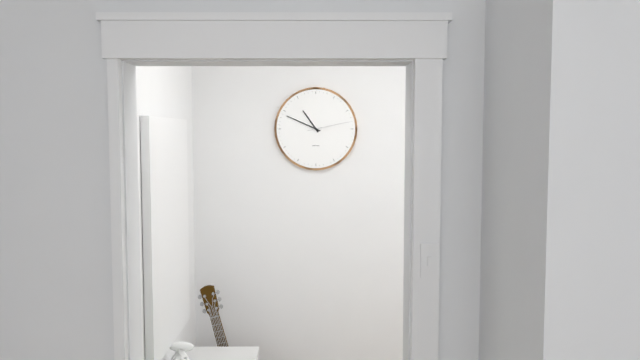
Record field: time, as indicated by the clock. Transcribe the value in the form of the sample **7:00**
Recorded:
**10:49**
